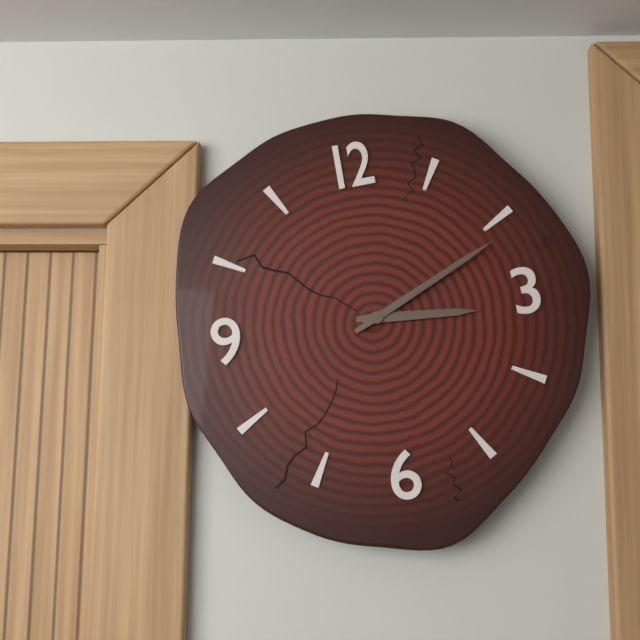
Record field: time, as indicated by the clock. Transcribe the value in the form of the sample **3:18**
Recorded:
**3:11**
